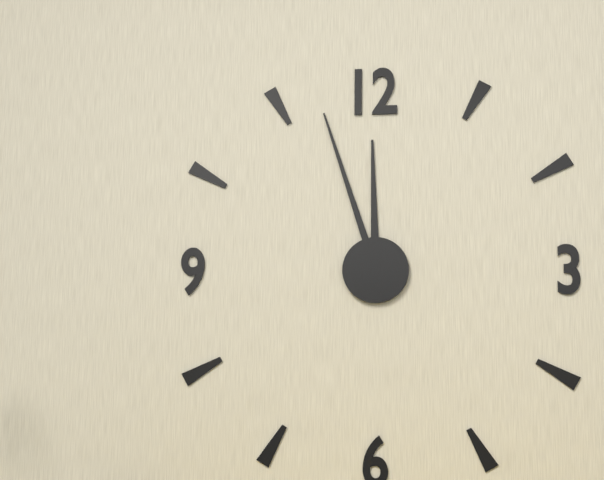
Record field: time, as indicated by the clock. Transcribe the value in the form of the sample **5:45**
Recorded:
**11:57**
